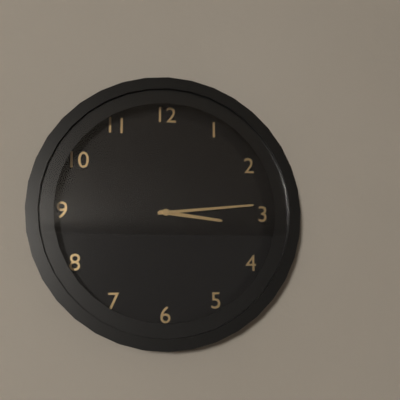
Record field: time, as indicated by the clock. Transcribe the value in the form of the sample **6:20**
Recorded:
**3:14**
